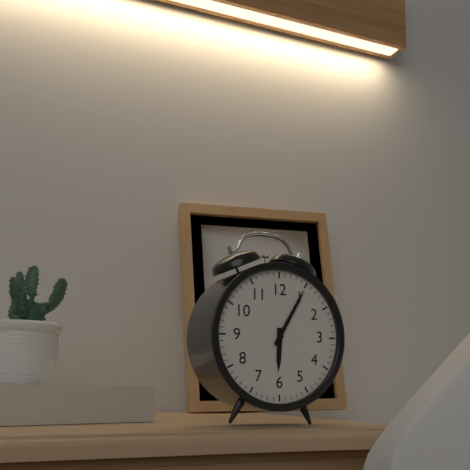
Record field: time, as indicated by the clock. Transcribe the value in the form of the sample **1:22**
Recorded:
**6:05**
